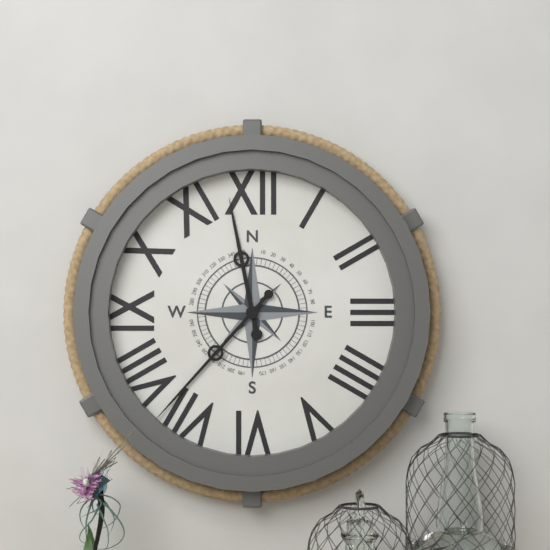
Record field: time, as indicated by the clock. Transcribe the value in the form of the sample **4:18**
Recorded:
**11:37**
